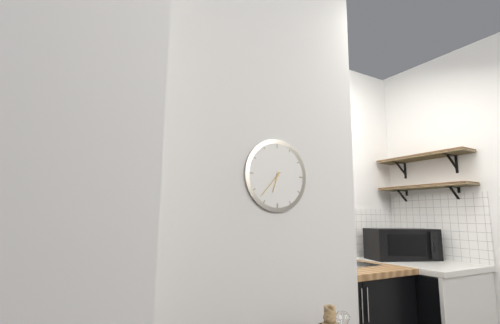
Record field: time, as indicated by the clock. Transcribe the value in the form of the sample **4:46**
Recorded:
**6:37**
